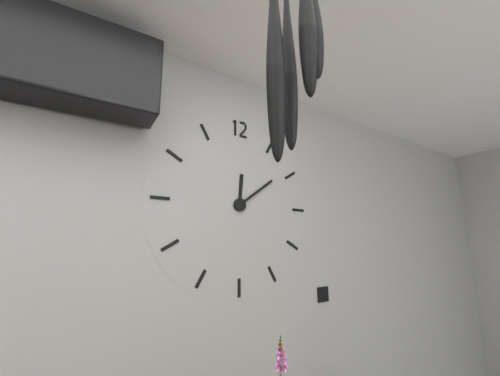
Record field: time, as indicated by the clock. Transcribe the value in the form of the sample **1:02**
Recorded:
**12:09**
